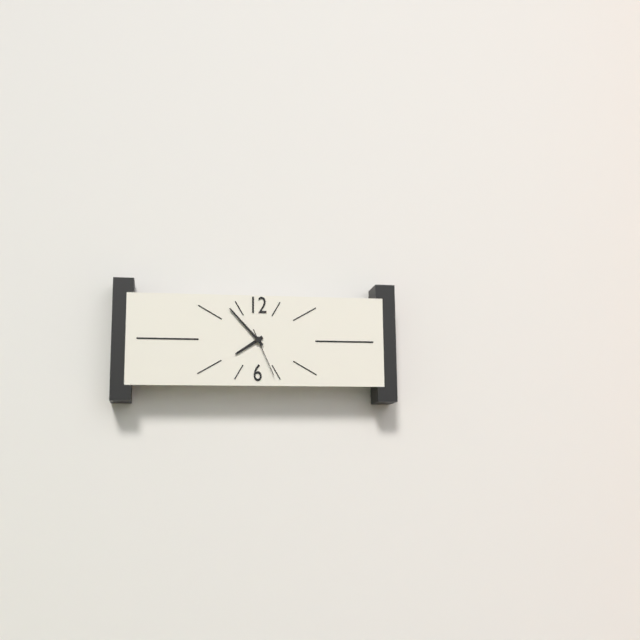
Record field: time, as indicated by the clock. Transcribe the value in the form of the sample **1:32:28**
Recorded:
**7:53:26**
